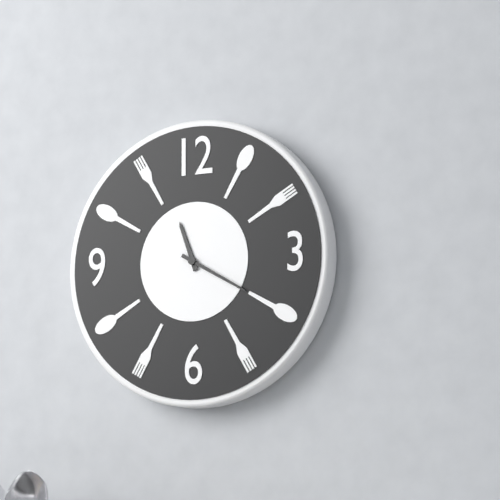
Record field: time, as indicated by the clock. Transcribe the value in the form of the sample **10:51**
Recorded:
**11:20**
